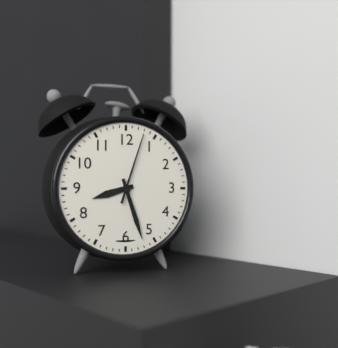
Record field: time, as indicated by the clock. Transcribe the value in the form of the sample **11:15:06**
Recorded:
**8:27:03**
